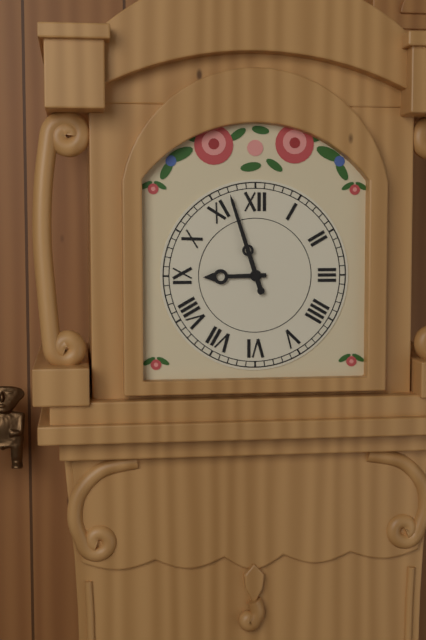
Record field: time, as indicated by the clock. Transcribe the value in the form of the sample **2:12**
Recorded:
**8:57**
